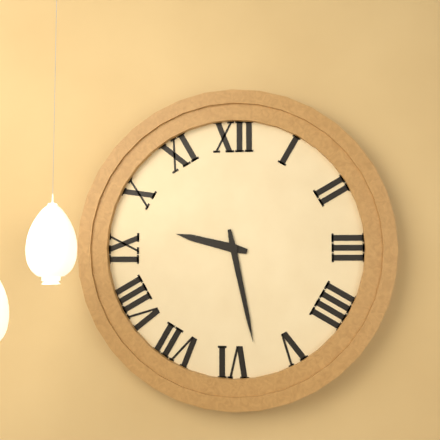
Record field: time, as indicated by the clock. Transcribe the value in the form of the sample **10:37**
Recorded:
**9:28**
